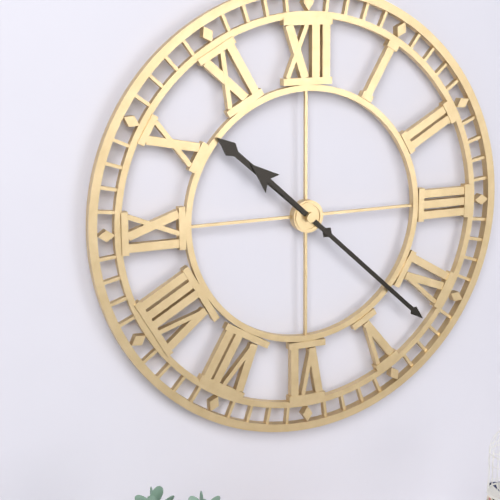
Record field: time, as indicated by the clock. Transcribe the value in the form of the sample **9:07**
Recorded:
**10:22**
